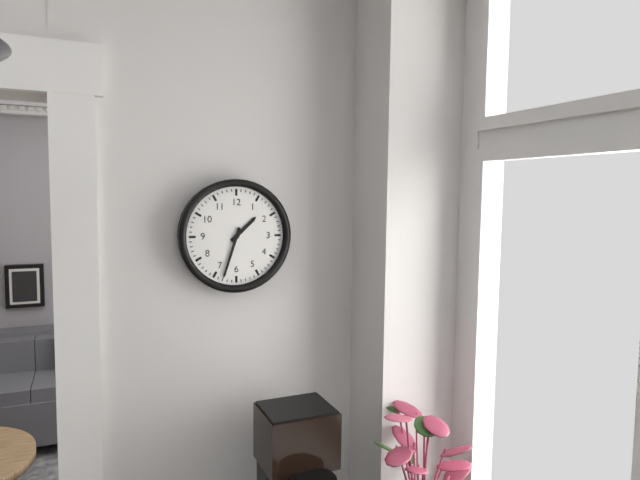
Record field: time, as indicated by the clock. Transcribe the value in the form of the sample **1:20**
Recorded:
**1:33**
